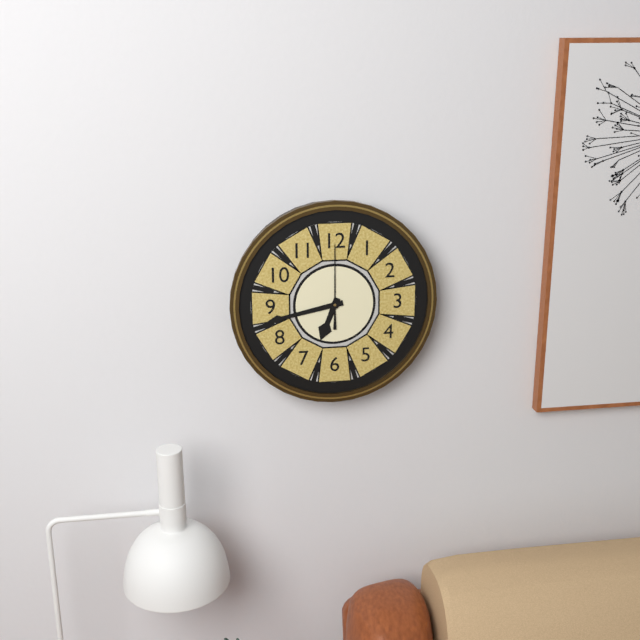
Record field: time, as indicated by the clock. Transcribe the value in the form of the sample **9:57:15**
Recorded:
**6:43:00**
